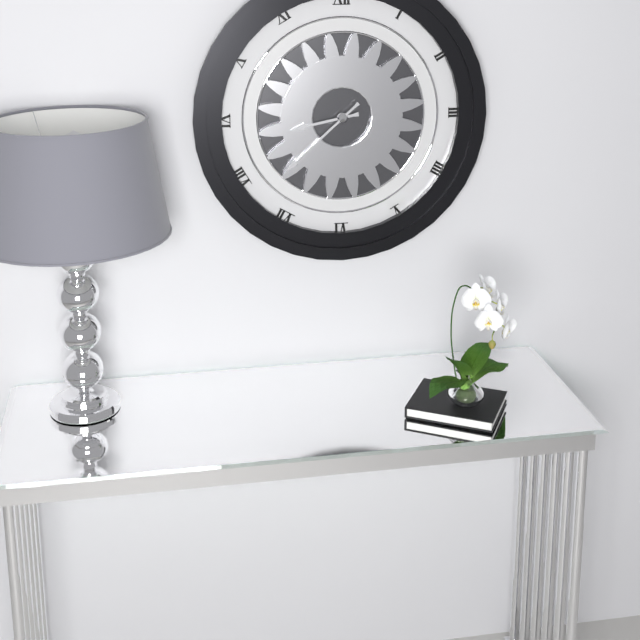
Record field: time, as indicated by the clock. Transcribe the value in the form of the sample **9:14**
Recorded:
**8:38**
